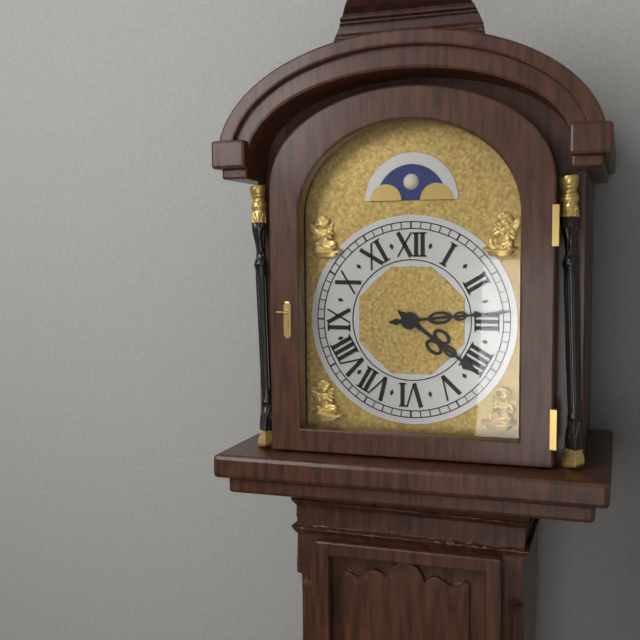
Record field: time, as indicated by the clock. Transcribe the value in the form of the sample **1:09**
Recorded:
**4:14**
